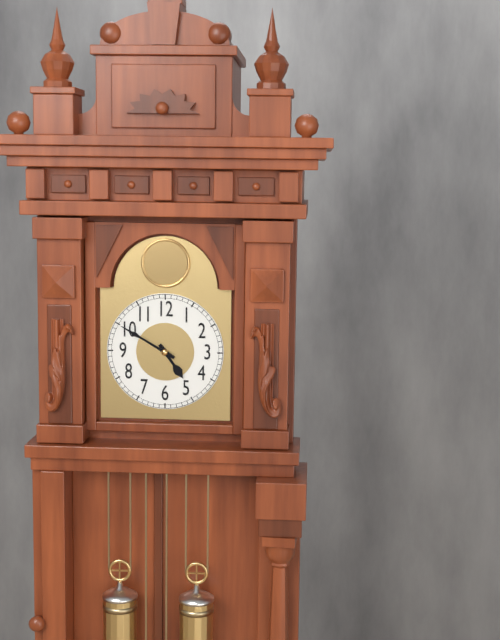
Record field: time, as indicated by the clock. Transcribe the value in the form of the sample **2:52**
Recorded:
**4:50**
